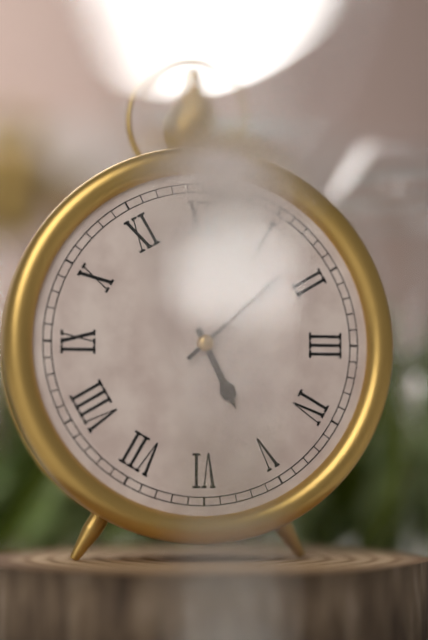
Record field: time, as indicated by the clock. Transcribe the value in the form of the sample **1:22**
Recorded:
**5:08**
